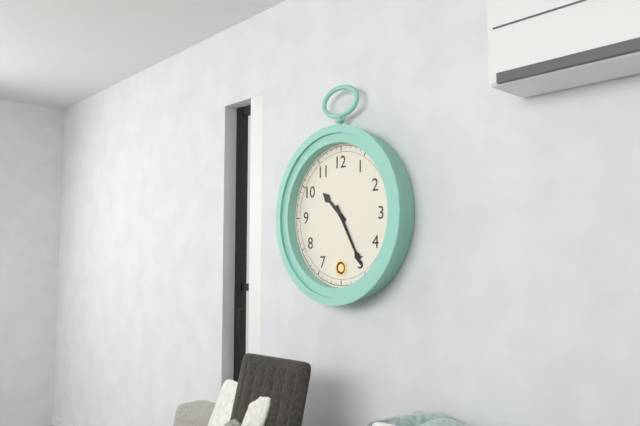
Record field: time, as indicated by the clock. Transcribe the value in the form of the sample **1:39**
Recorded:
**10:25**
